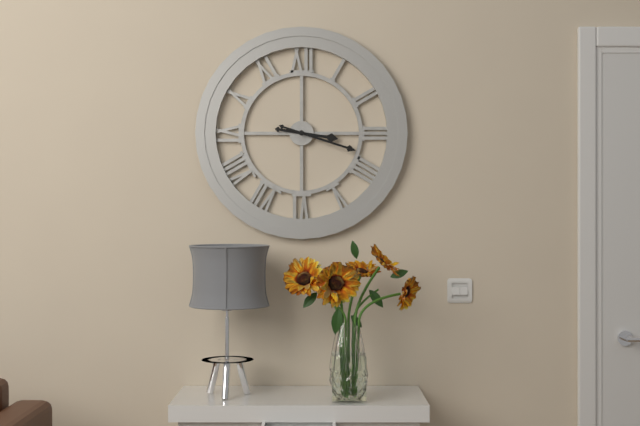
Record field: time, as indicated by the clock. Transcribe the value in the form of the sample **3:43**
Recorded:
**3:18**
